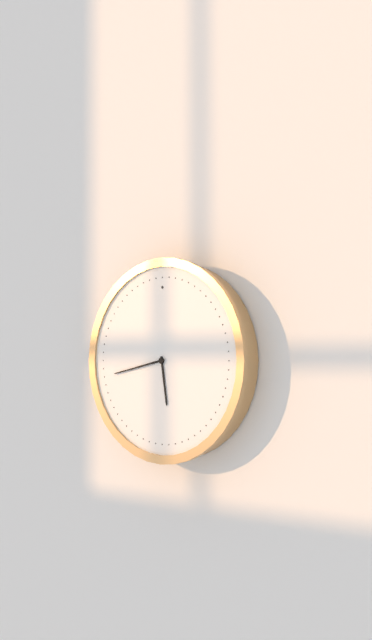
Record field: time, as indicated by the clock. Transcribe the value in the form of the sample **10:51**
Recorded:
**5:43**
